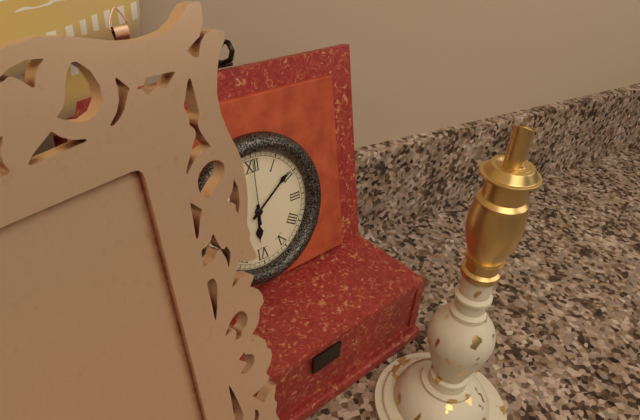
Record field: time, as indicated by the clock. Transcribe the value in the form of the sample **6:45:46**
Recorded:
**6:09:00**
